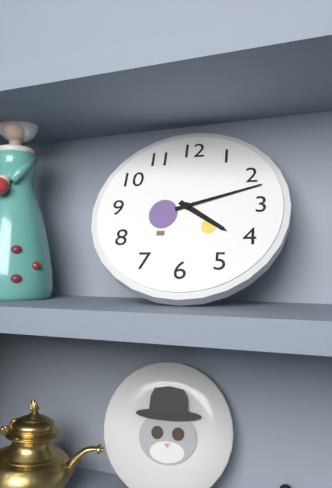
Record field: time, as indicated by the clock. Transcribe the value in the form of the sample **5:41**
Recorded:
**4:12**
